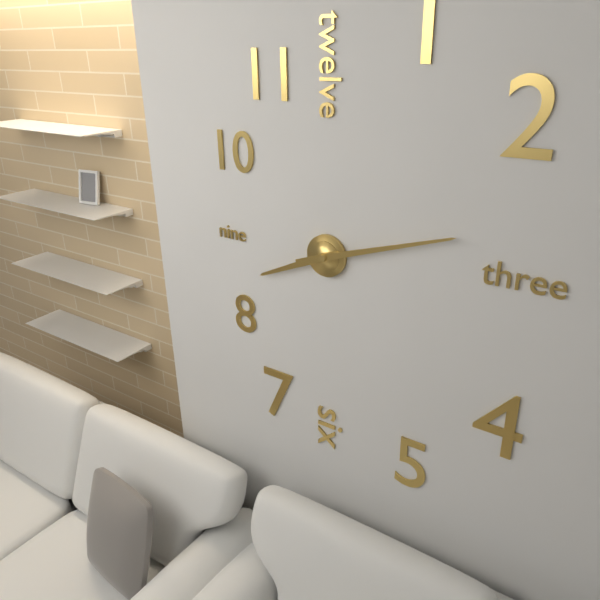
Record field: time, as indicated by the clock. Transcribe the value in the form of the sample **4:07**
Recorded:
**8:12**
